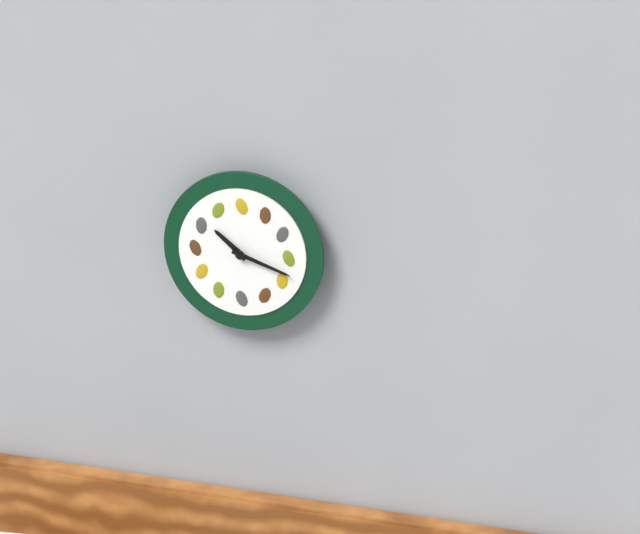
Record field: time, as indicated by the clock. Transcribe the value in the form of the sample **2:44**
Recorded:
**10:18**
